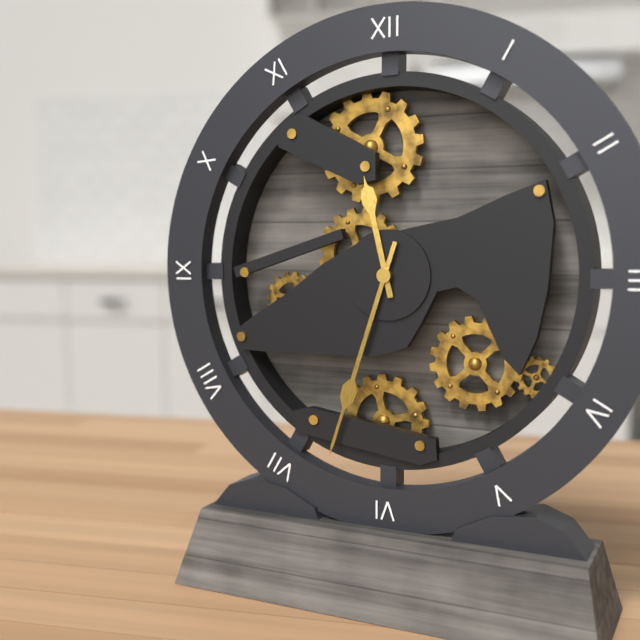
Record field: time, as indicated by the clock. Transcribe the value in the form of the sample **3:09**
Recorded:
**11:33**
